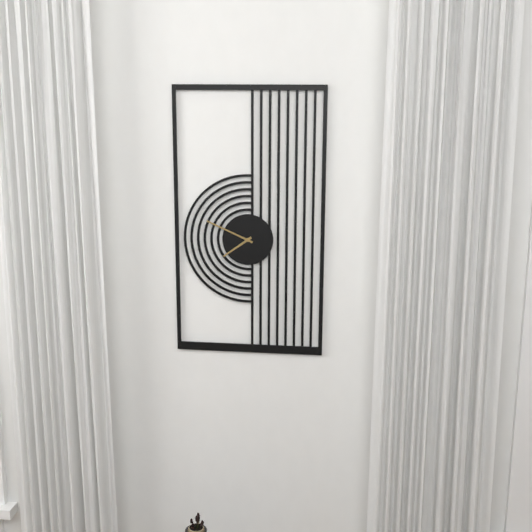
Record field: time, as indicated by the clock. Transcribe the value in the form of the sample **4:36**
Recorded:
**7:49**
